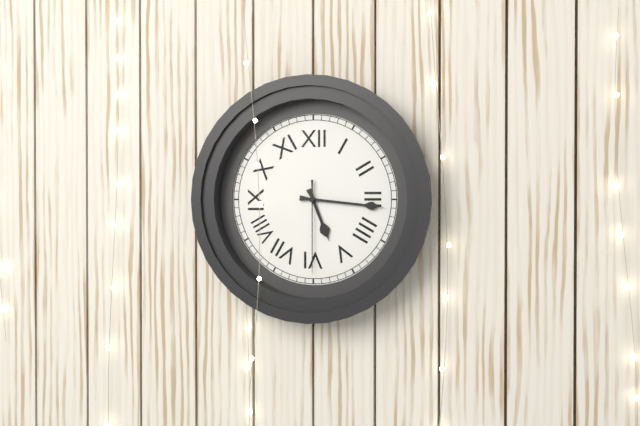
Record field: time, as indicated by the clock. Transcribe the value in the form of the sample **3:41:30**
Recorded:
**5:16:30**
